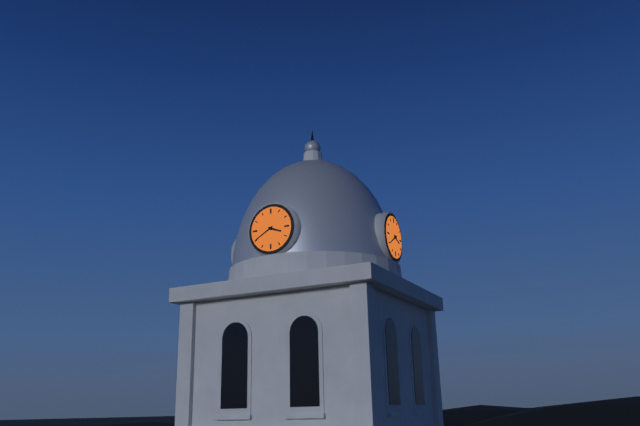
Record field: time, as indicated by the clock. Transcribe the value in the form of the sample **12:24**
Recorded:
**3:40**
